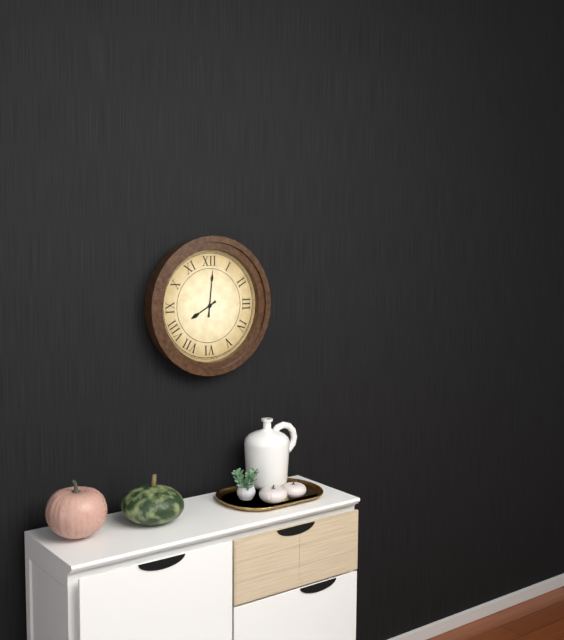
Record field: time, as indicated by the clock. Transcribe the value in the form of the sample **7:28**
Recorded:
**8:01**
